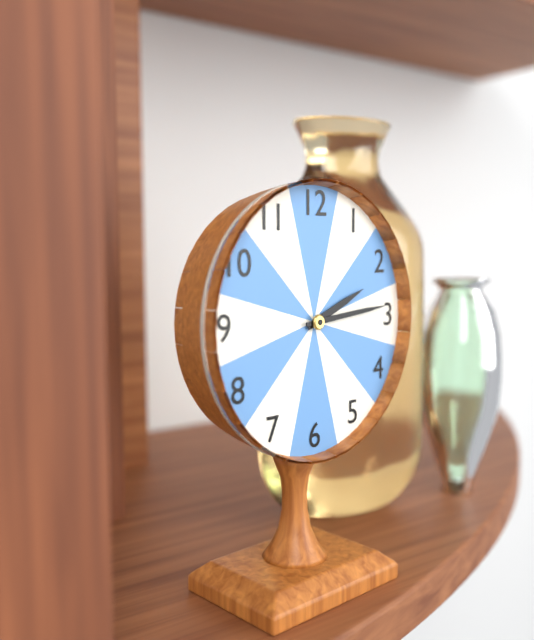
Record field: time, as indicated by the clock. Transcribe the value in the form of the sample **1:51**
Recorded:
**2:14**
